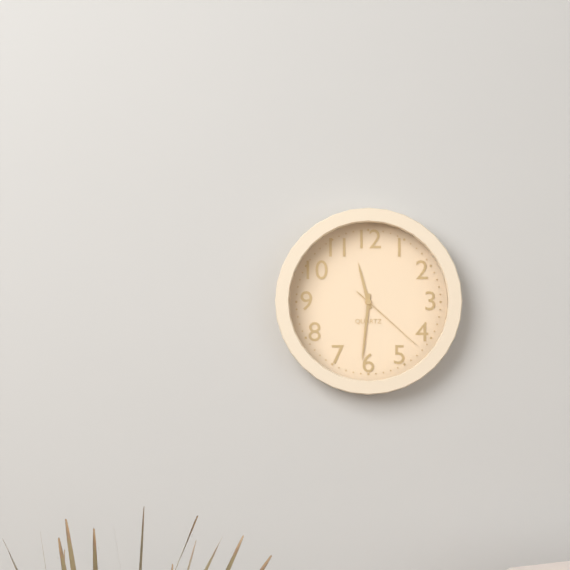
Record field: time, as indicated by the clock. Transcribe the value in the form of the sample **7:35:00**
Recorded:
**11:31:22**
